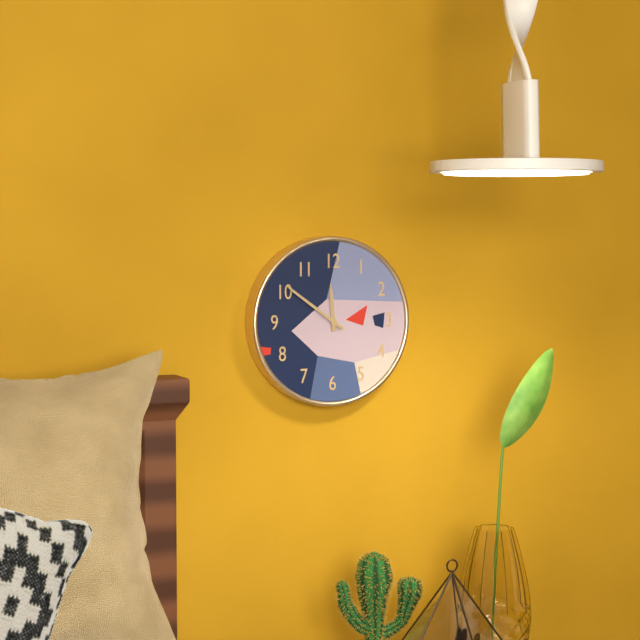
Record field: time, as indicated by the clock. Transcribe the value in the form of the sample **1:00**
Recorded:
**11:51**
